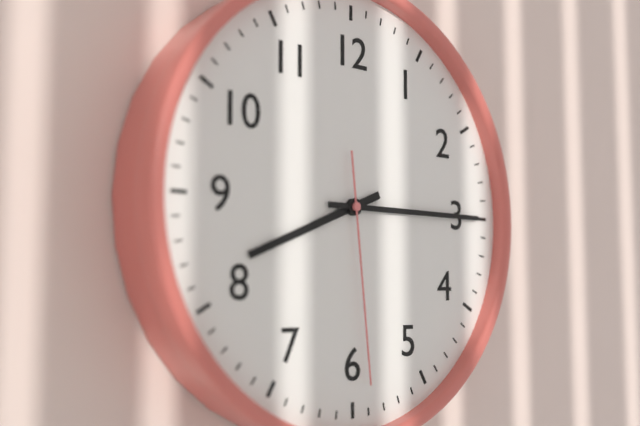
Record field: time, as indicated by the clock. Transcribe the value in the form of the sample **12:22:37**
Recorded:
**8:15:29**
